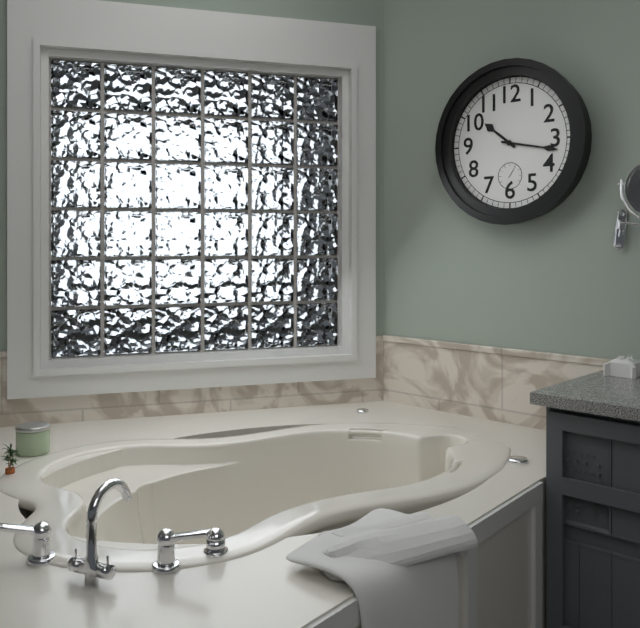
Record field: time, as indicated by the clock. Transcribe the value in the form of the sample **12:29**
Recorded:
**10:17**
